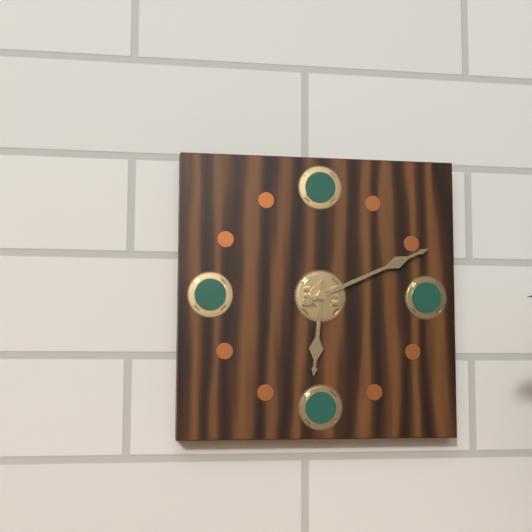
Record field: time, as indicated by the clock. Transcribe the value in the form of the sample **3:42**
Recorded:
**6:11**
